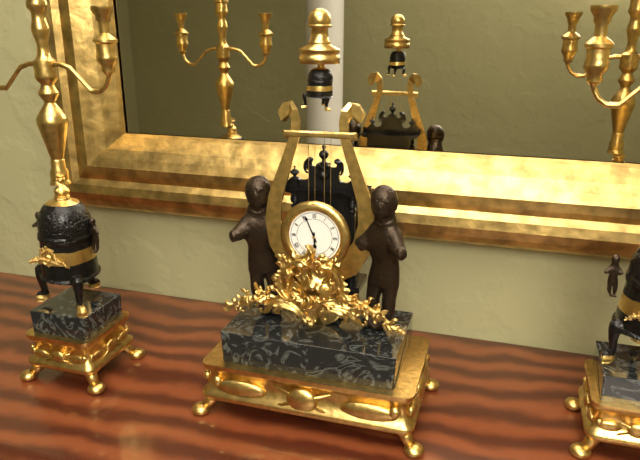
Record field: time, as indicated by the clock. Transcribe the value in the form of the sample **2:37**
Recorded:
**5:56**
